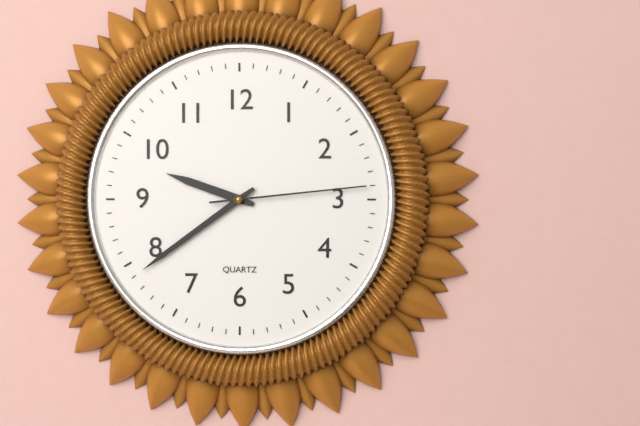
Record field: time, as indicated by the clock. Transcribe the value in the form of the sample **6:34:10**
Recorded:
**9:39:14**
